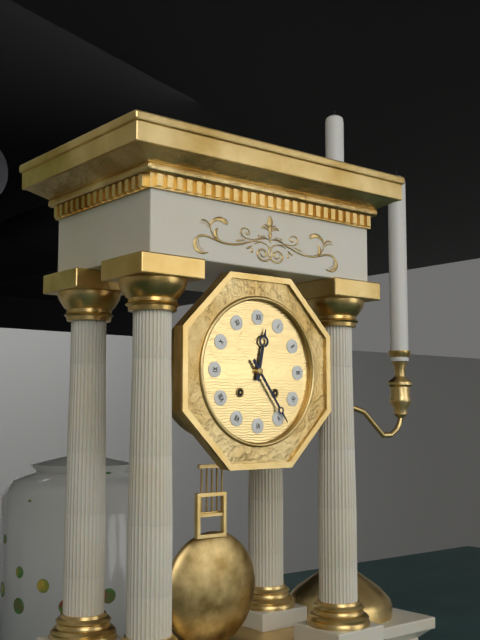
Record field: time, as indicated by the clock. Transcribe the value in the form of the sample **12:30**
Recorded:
**12:24**
